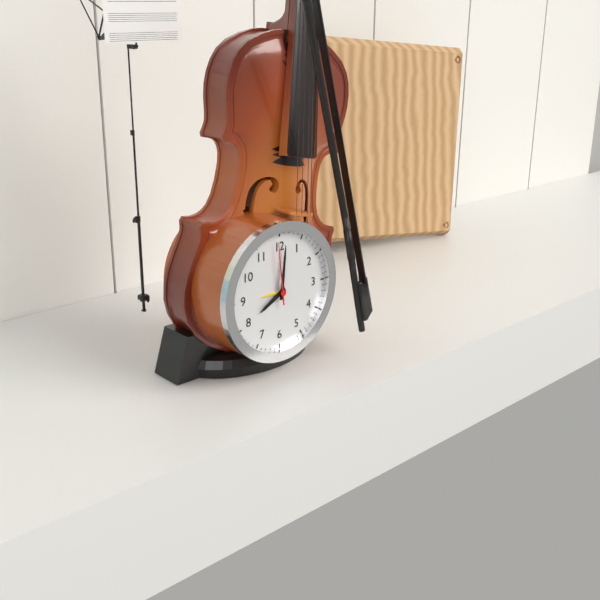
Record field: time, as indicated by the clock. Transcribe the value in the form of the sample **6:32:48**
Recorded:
**8:01:59**
